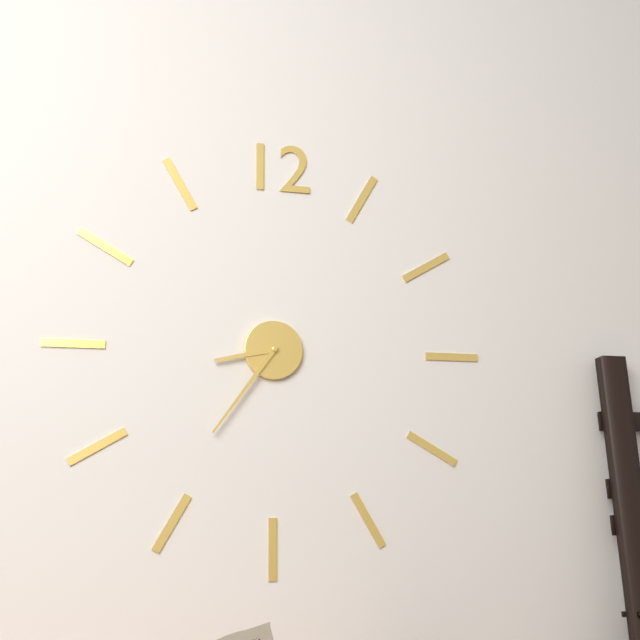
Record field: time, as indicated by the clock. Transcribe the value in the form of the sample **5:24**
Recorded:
**8:36**
